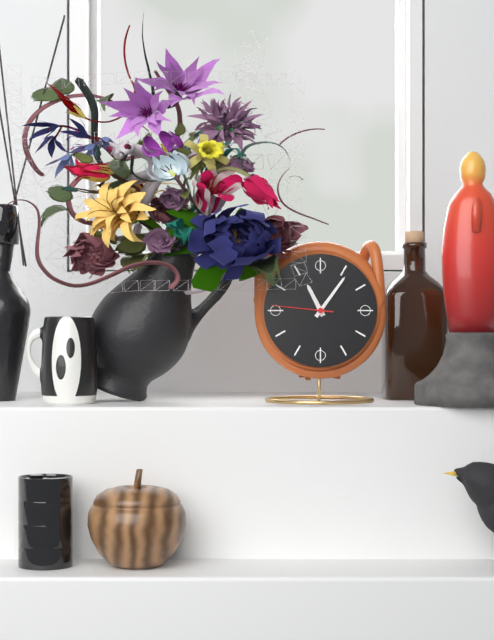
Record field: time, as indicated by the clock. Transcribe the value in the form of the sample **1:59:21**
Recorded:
**11:06:46**
